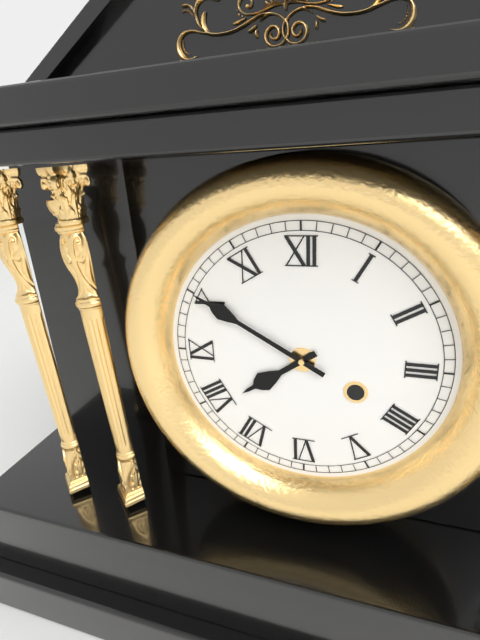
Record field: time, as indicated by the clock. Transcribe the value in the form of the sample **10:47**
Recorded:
**7:50**
